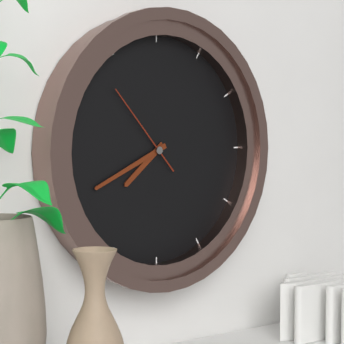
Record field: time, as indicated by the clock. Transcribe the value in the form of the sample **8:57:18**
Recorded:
**7:41:53**
